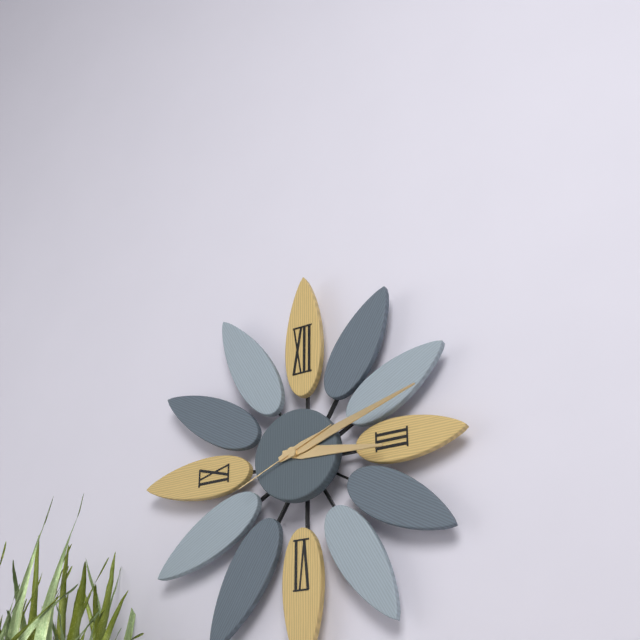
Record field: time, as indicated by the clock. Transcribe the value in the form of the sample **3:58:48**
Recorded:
**3:12:41**
